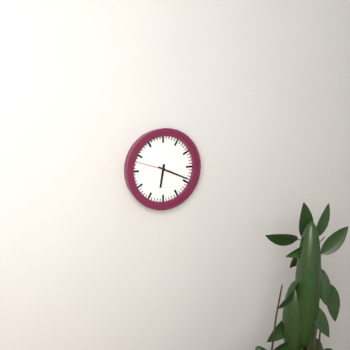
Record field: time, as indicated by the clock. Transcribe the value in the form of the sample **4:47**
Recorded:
**6:19**
